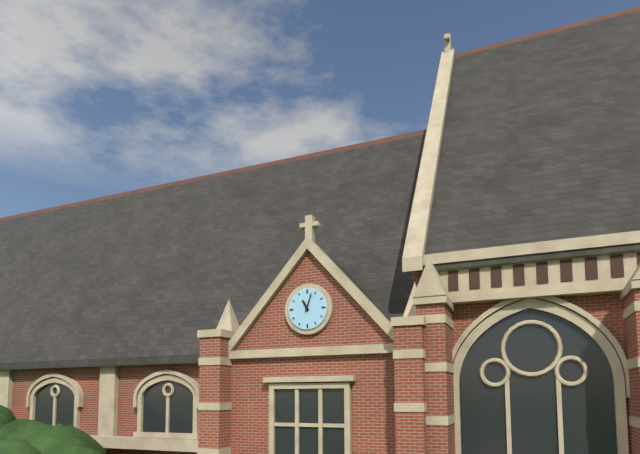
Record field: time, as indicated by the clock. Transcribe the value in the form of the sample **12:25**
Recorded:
**11:03**
